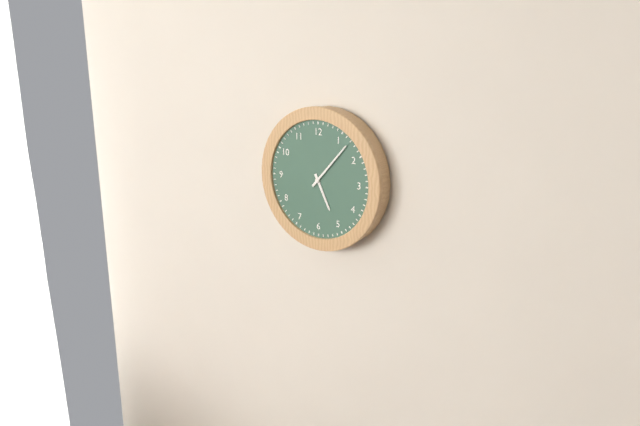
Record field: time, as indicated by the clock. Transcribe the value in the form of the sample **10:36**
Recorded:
**5:07**
